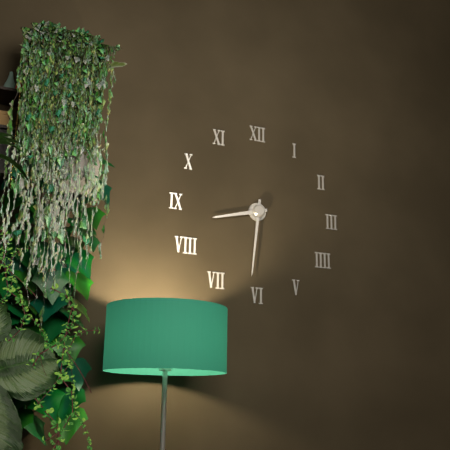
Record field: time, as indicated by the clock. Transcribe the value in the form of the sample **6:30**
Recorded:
**8:31**
